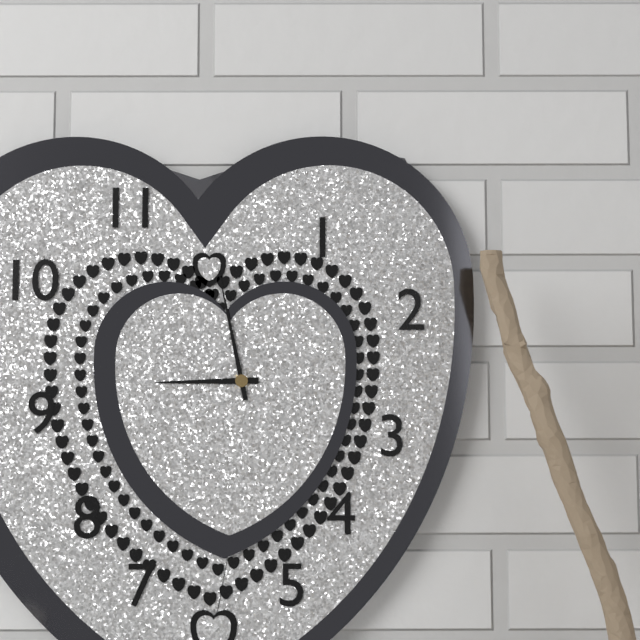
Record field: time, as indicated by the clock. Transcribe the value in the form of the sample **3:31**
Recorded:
**8:58**
